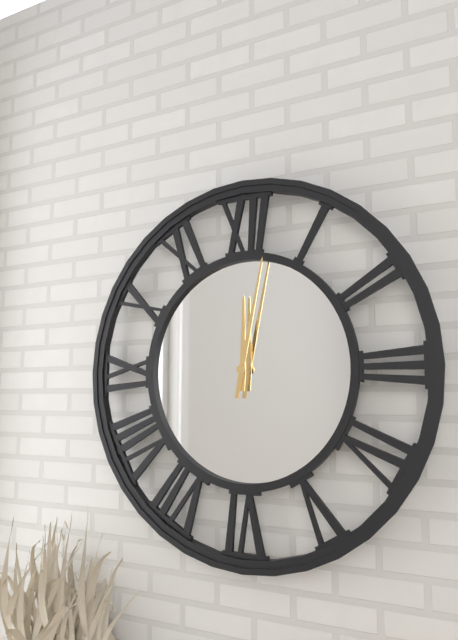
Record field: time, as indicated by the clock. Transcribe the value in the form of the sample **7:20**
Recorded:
**12:02**
